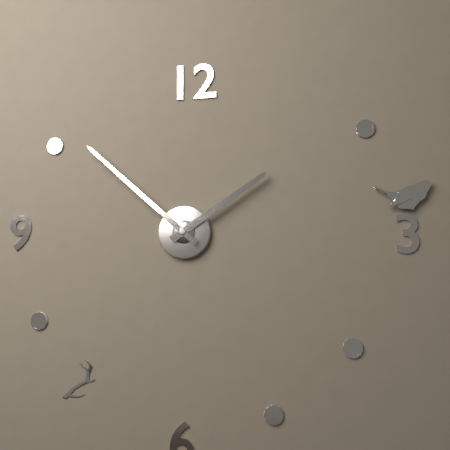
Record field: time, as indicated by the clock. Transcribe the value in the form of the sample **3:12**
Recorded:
**1:52**
